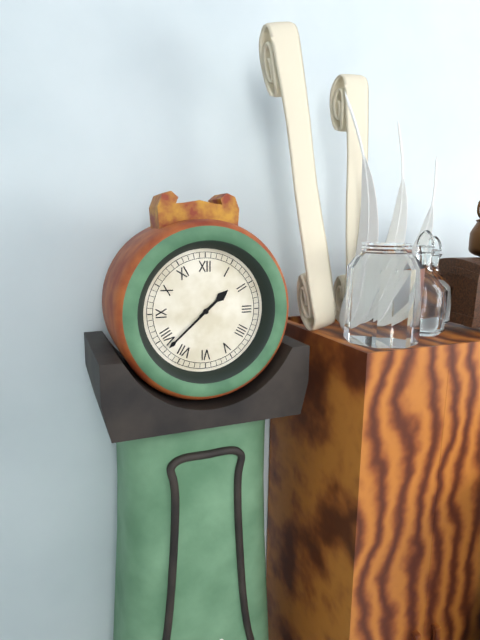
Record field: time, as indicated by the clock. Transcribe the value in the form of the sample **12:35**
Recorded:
**1:38**
